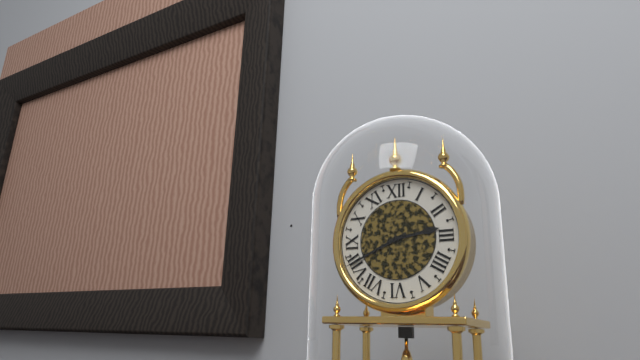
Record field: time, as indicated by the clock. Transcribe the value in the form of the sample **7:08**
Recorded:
**2:41**
